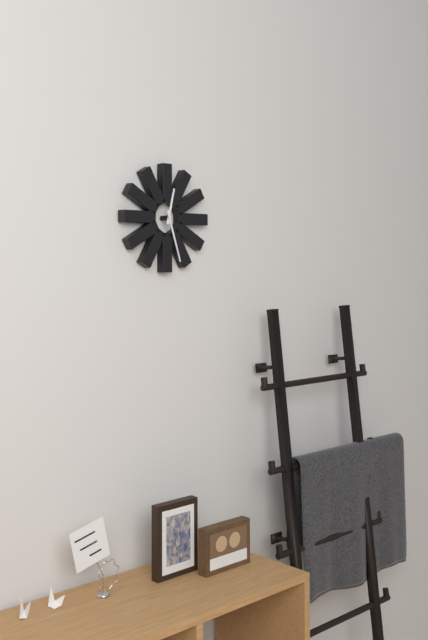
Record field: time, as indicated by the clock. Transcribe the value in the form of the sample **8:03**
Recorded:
**12:27**
